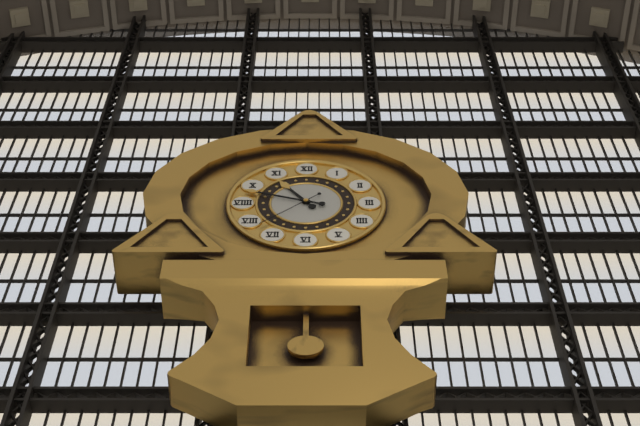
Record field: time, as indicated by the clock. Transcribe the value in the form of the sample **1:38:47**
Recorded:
**10:48:38**
